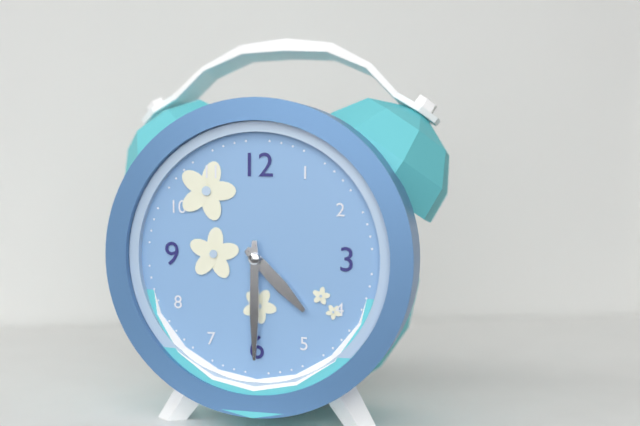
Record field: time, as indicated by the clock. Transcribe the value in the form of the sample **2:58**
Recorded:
**4:30**
